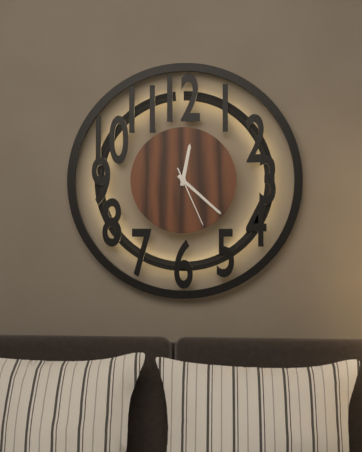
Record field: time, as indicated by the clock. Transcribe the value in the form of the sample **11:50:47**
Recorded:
**12:22:26**
